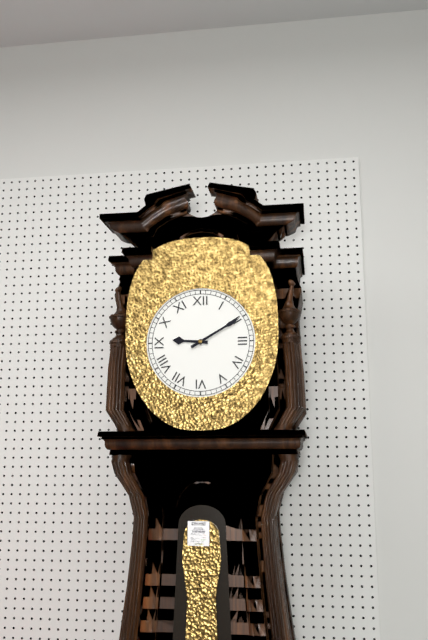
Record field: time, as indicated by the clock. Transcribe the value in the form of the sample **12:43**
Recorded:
**9:10**
